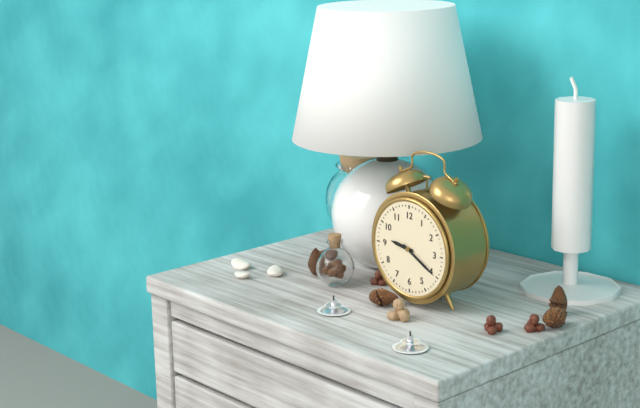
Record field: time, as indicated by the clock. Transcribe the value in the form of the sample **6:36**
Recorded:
**9:20**
